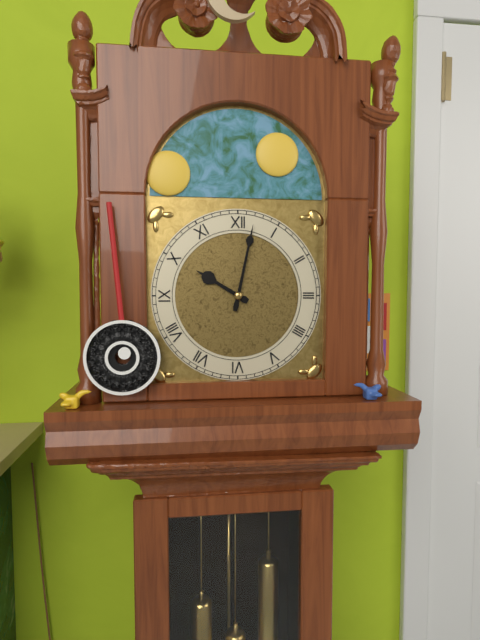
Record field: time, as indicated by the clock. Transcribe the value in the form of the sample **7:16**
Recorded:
**10:02**
